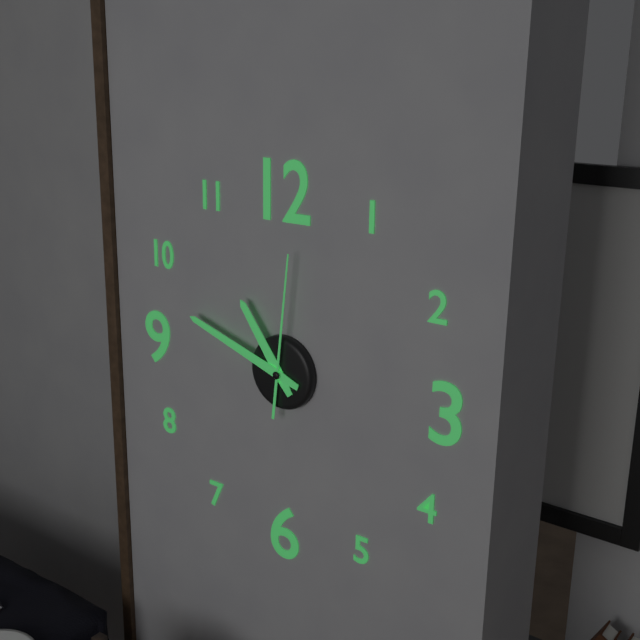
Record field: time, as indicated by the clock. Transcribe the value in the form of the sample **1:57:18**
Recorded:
**10:48:01**
